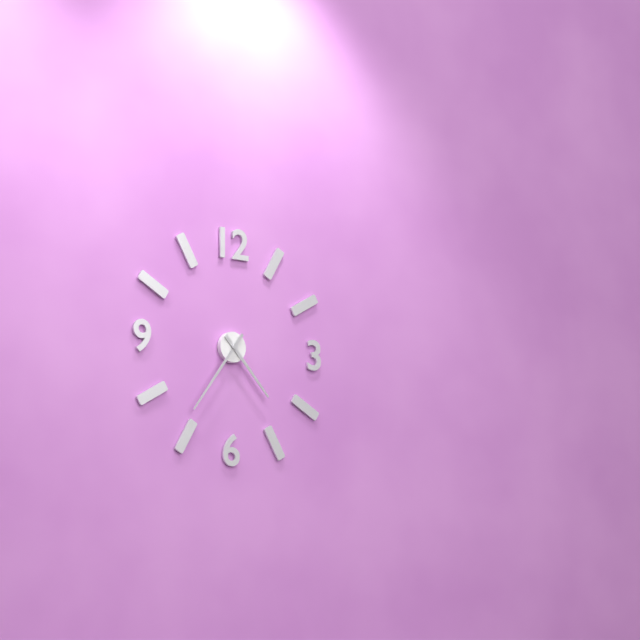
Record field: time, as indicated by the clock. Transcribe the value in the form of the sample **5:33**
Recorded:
**4:36**
